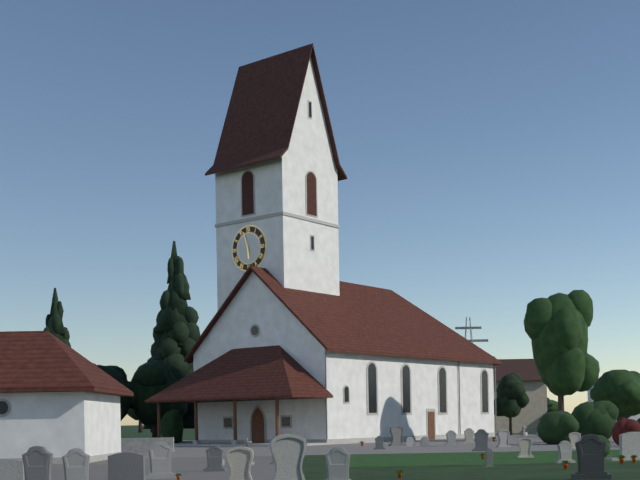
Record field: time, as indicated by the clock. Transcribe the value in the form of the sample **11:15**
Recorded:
**5:57**
